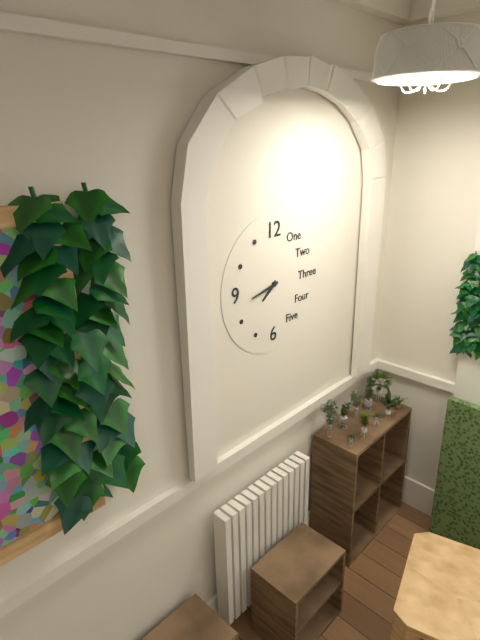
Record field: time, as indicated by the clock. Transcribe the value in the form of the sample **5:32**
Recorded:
**7:43**
